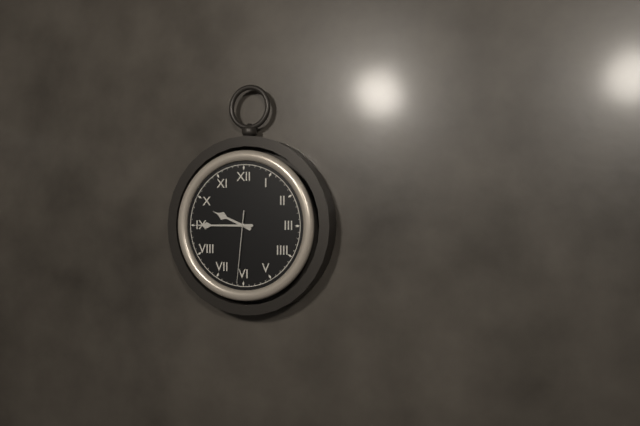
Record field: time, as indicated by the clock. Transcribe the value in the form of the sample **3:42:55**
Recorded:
**9:45:31**
